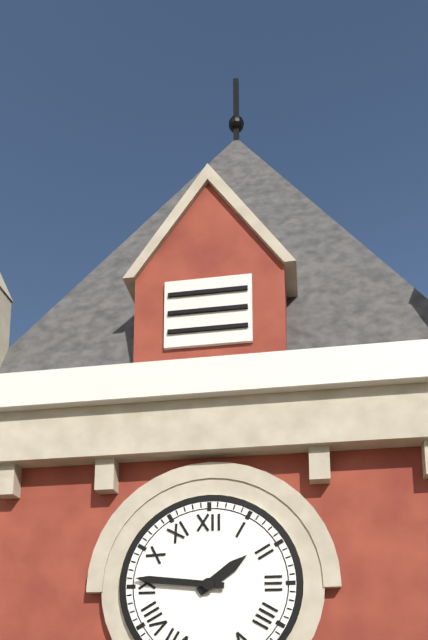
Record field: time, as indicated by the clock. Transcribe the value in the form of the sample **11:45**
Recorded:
**1:46**
